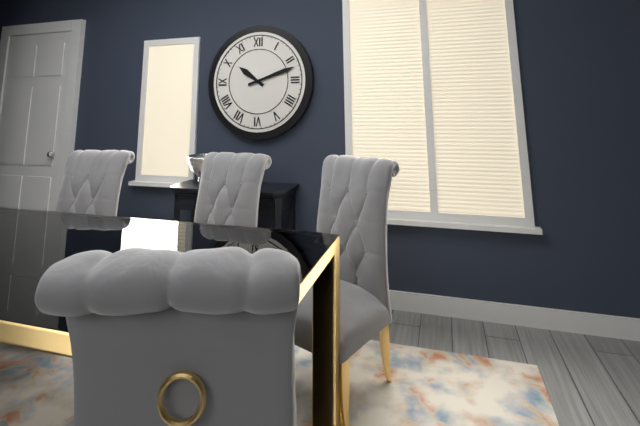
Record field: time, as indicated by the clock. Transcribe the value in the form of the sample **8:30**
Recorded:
**10:12**
